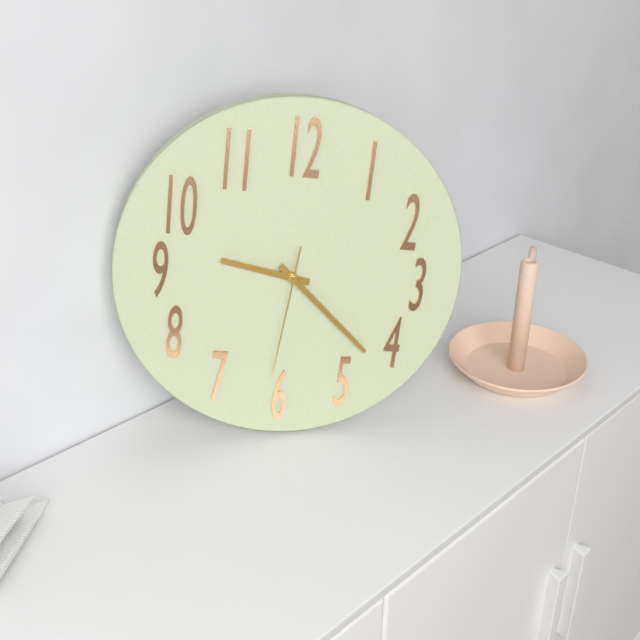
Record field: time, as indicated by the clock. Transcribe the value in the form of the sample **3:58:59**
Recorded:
**9:22:31**
